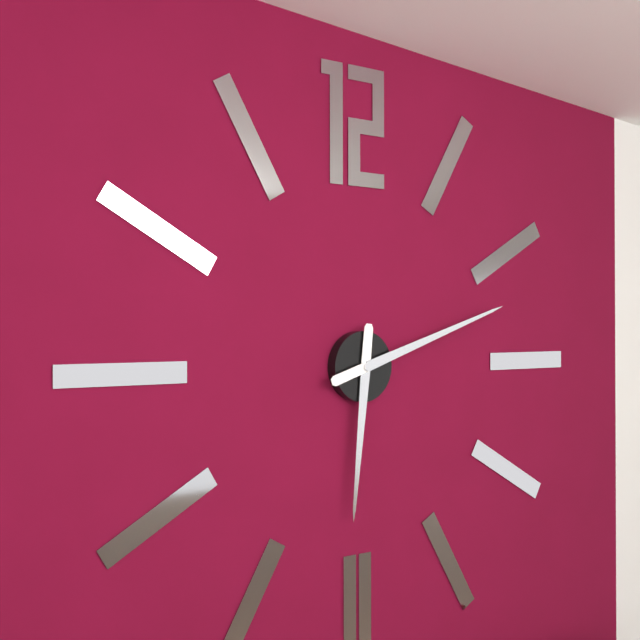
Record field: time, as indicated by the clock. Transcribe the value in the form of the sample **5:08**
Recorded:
**6:12**
